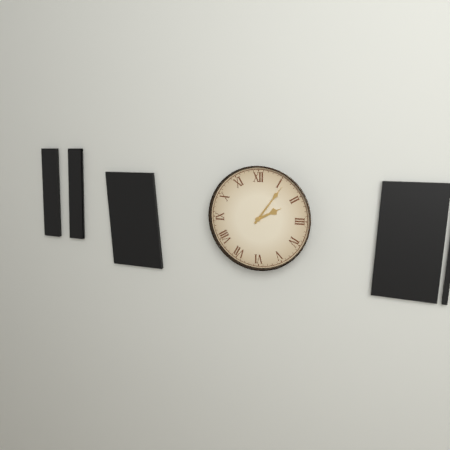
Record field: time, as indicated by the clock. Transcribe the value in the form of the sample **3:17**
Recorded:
**2:06**
